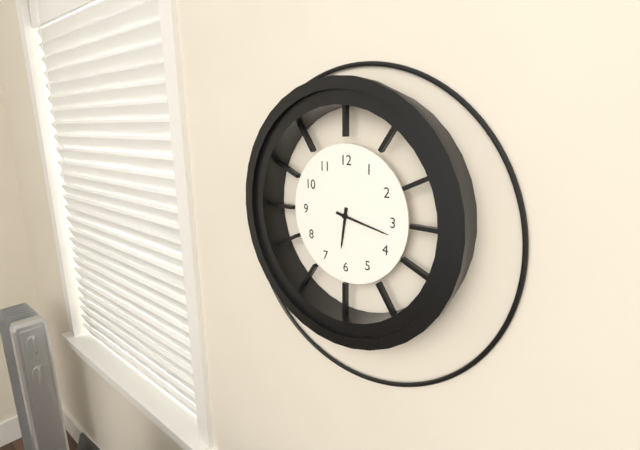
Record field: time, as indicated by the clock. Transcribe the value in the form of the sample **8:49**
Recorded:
**6:17**
